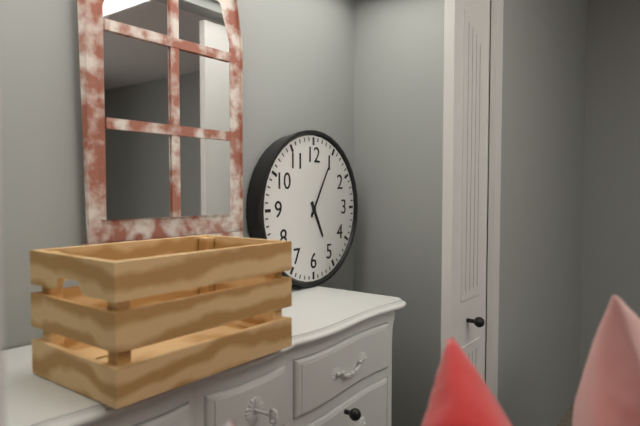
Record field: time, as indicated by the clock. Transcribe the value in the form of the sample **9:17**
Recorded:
**5:05**
